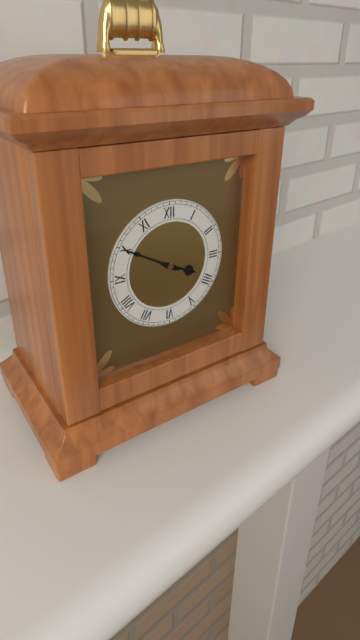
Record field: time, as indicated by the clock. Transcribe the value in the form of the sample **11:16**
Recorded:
**3:50**
